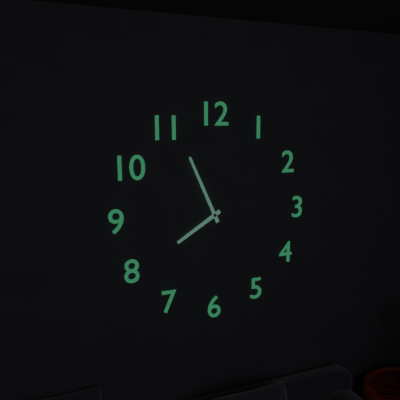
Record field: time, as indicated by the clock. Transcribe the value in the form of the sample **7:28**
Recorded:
**7:56**
